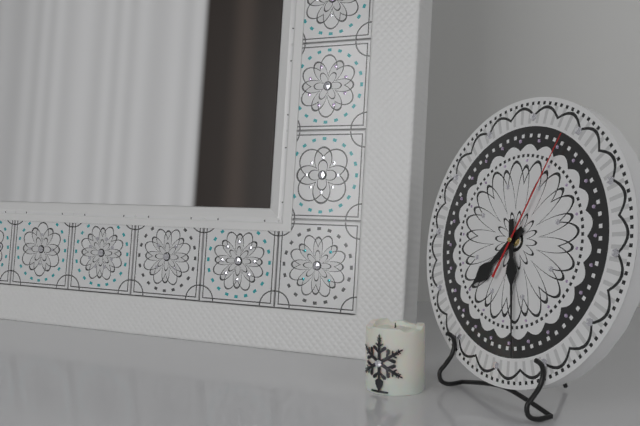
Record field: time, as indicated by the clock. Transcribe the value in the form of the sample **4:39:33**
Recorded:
**7:28:04**
